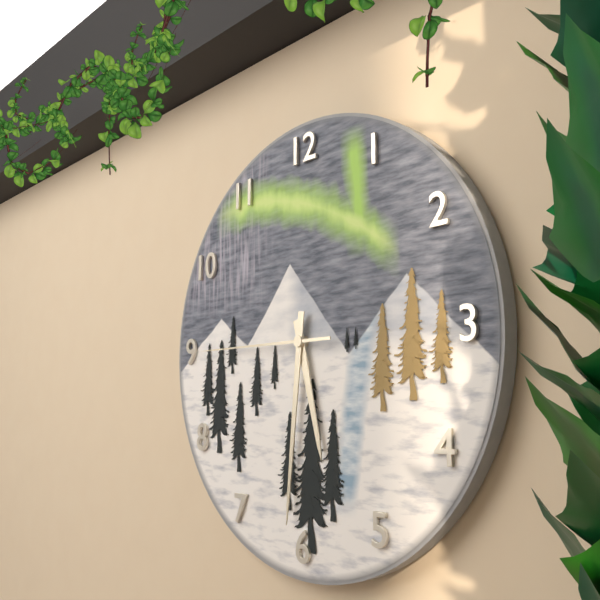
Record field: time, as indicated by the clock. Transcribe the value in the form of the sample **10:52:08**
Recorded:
**5:31:45**
